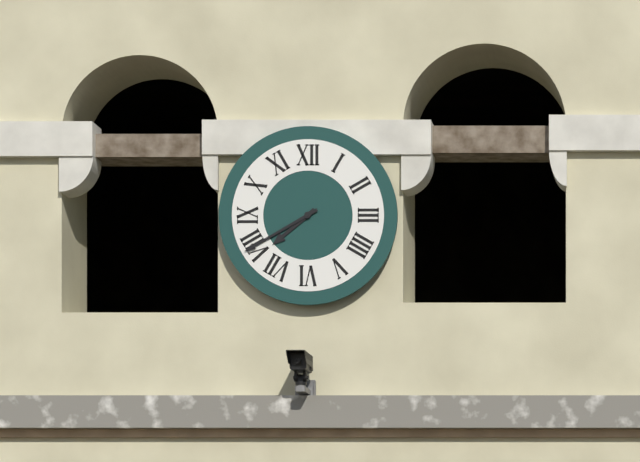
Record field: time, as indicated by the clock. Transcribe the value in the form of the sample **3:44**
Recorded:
**7:40**
